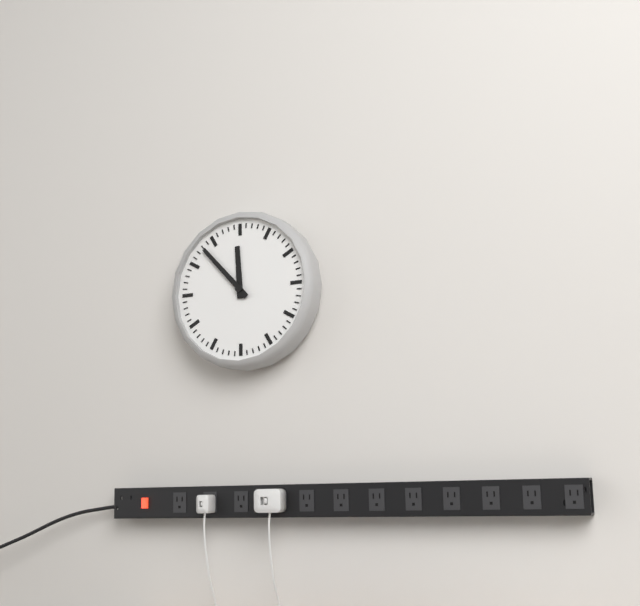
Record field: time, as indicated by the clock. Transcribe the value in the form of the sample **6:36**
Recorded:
**11:53**
